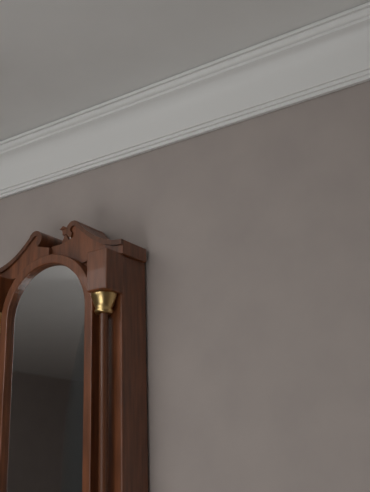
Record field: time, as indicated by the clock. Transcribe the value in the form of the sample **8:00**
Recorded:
**10:02**
